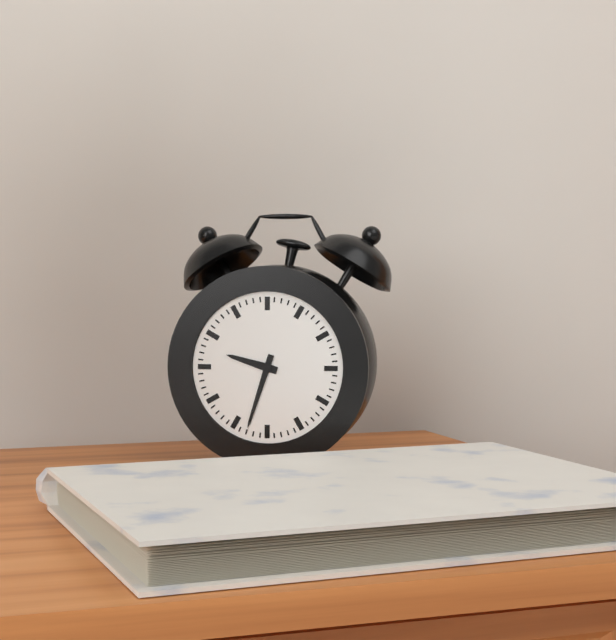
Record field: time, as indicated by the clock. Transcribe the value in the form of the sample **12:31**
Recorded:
**9:33**
